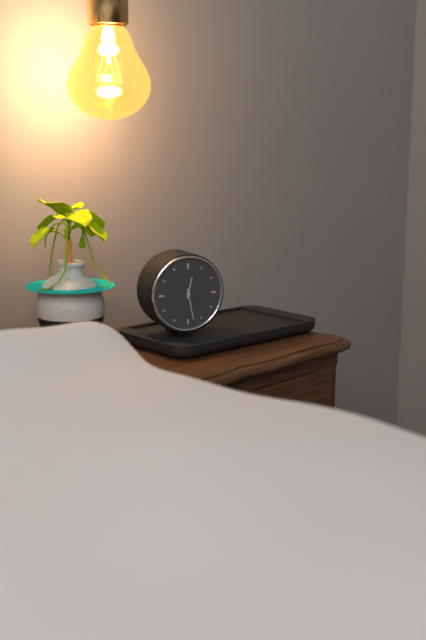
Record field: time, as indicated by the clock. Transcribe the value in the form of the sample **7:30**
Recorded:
**12:28**
